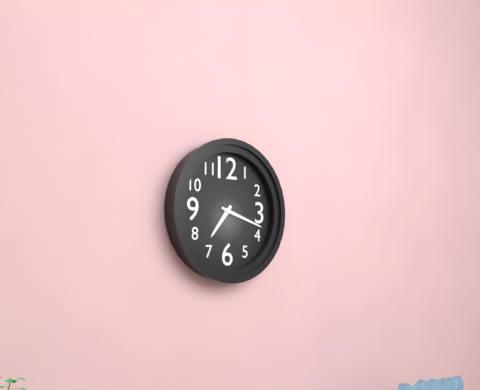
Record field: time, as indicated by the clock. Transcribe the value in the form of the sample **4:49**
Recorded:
**7:18**
